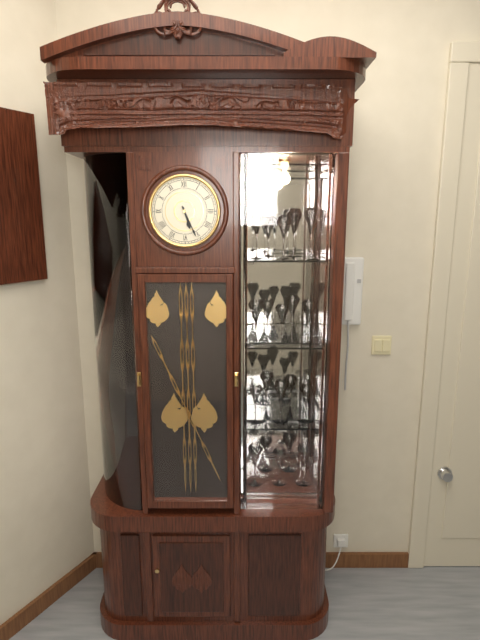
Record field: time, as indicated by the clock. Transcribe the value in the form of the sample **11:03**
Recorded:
**5:26**
